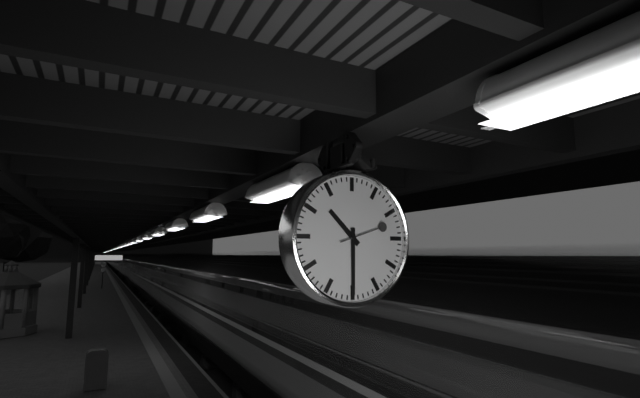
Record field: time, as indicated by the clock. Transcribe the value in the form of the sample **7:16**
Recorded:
**10:30**
